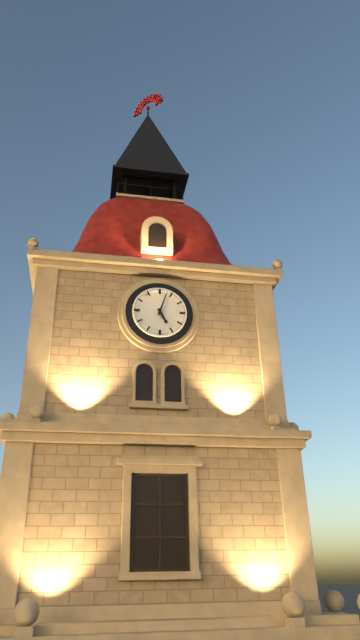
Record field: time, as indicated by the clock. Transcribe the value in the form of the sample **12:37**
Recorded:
**5:03**
